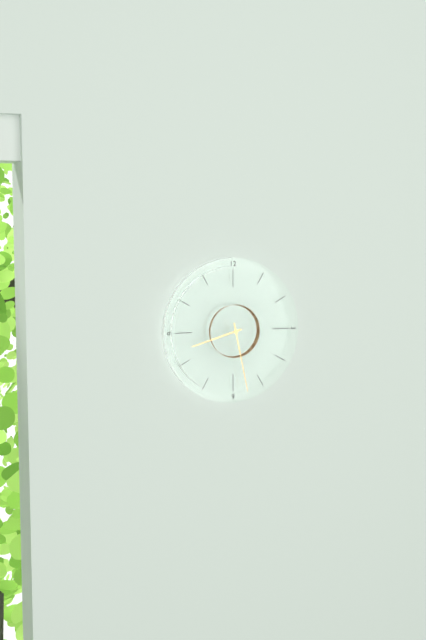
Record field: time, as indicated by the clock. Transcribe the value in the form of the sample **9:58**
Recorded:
**8:28**
